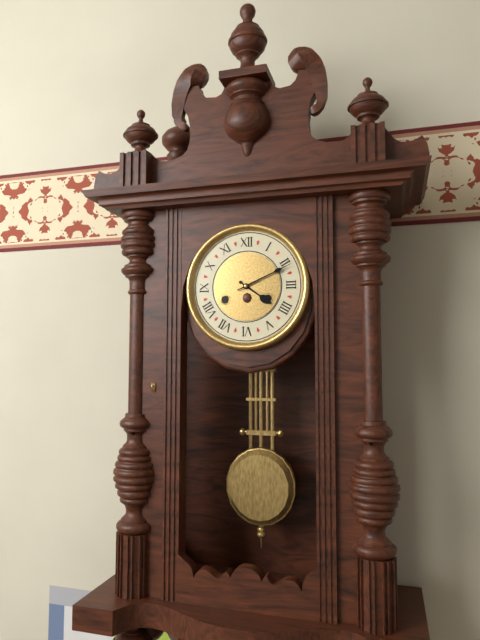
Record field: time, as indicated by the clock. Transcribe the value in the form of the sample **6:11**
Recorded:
**4:11**
